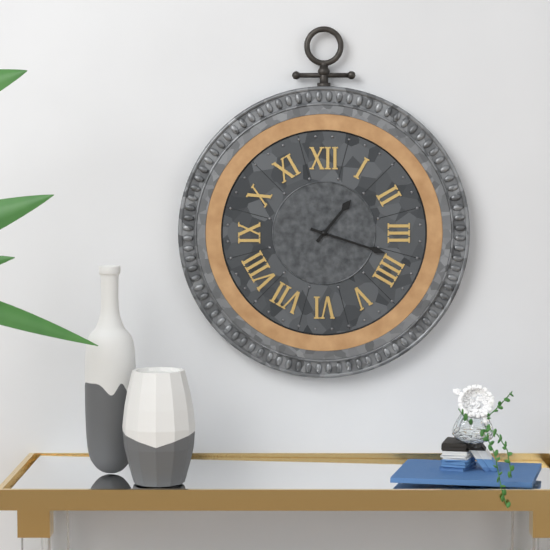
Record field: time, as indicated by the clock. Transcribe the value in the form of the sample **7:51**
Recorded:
**1:18**
